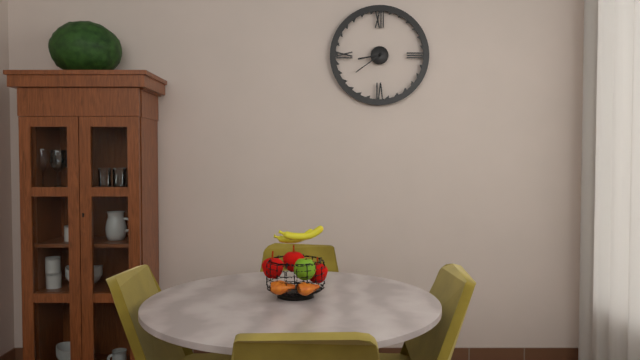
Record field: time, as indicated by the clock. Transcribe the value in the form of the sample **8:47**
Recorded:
**8:39**
